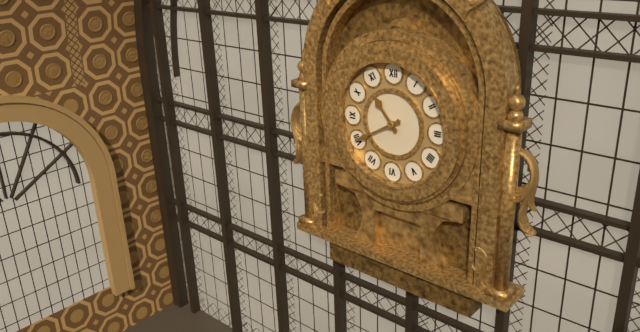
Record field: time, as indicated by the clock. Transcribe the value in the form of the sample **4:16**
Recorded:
**10:40**
